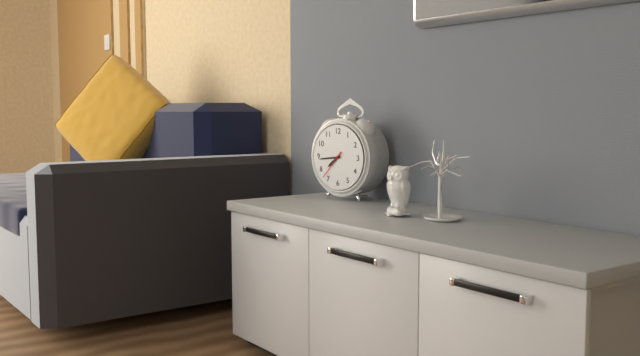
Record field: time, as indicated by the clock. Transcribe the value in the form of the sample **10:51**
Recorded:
**7:44**
